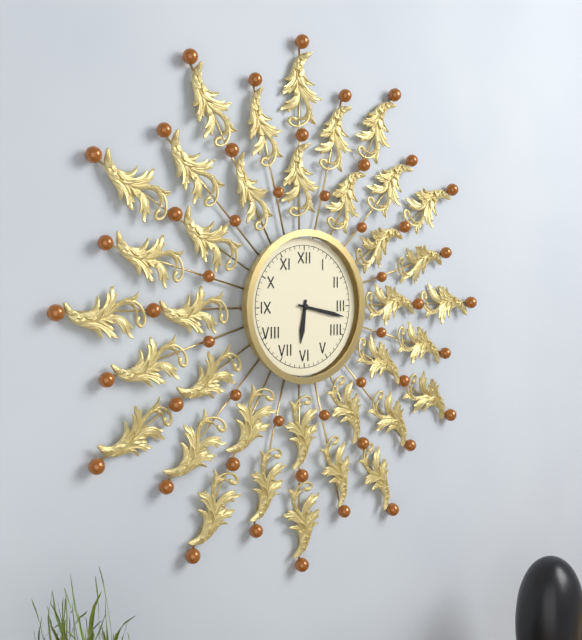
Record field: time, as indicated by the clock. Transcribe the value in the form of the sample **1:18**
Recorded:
**6:17**
